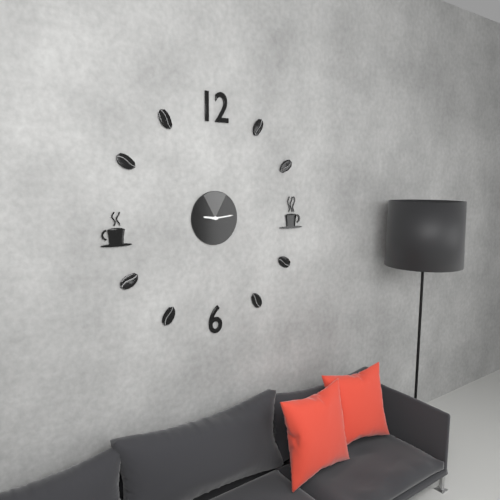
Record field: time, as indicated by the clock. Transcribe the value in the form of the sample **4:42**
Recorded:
**9:14**
